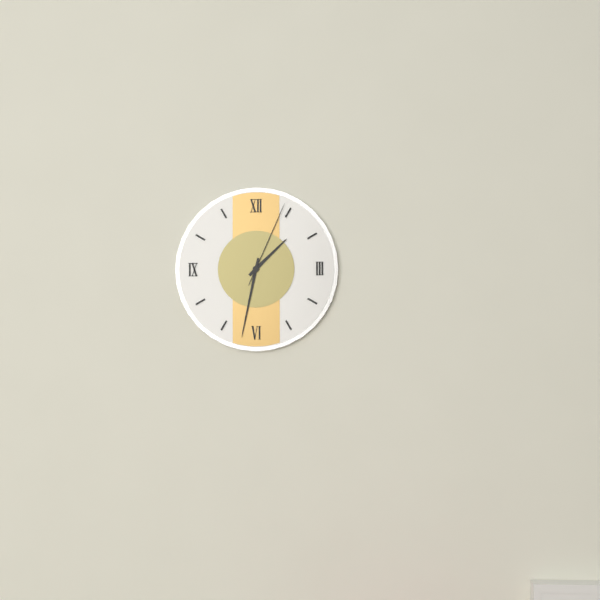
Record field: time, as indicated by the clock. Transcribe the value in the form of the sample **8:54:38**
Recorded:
**1:32:04**
